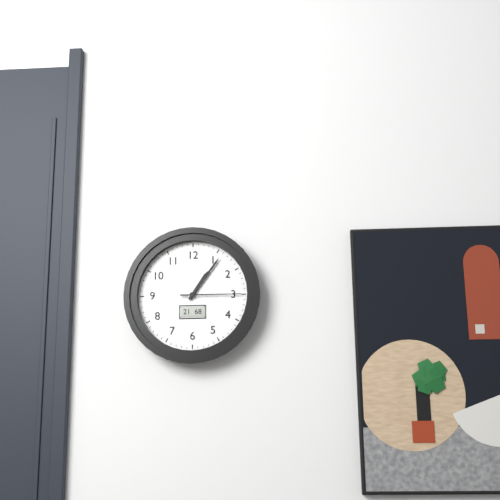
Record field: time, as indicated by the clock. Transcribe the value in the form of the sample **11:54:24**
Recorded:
**1:06:15**
